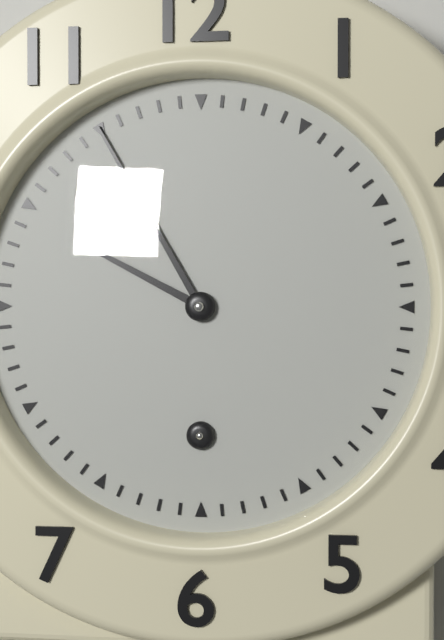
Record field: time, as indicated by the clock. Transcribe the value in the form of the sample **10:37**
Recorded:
**9:55**
